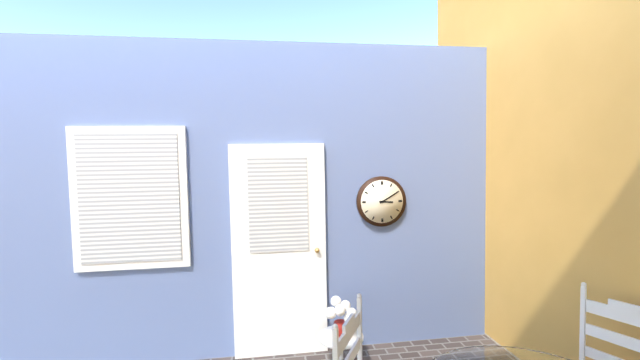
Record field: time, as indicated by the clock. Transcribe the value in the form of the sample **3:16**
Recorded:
**3:10**
